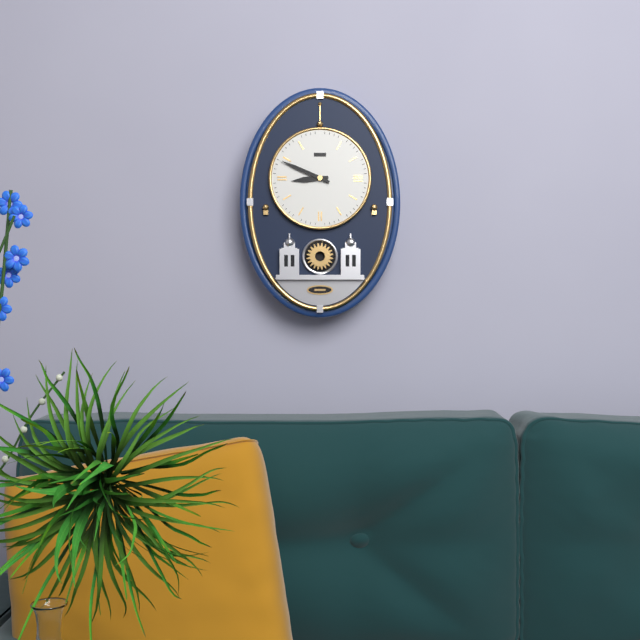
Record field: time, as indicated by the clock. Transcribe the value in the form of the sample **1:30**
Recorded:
**8:49**
